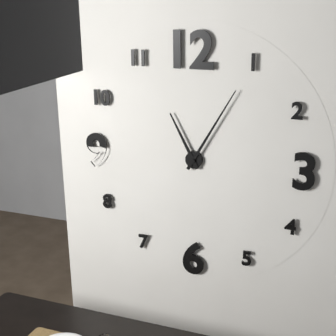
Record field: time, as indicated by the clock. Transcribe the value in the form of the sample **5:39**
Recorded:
**11:05**
